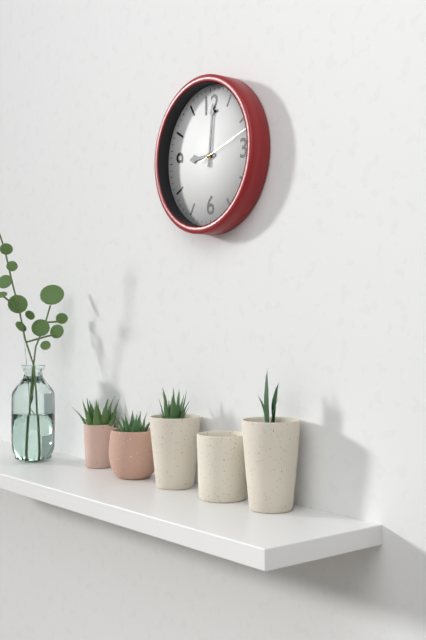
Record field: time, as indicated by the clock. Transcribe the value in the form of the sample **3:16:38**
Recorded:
**9:01:12**
